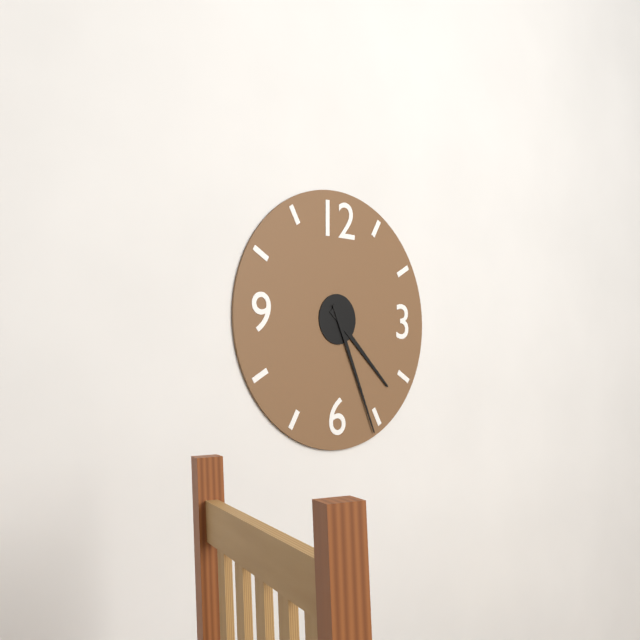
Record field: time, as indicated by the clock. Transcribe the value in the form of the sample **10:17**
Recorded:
**4:26**
